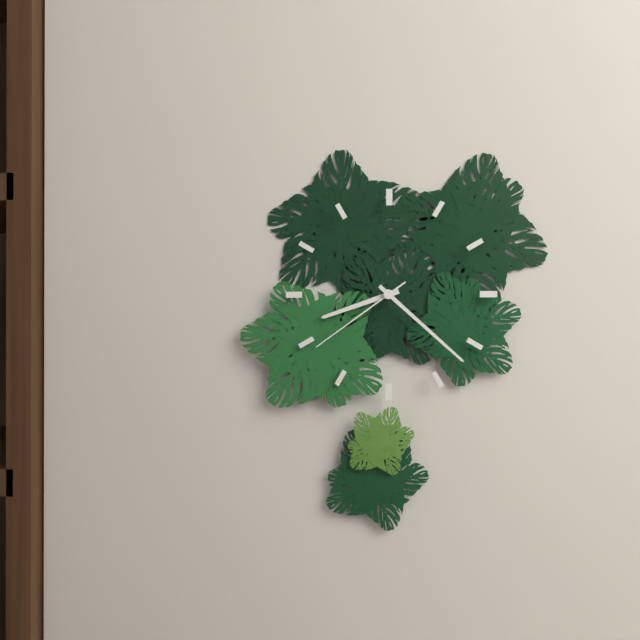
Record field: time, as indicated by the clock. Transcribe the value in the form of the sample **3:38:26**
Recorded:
**8:22:39**
